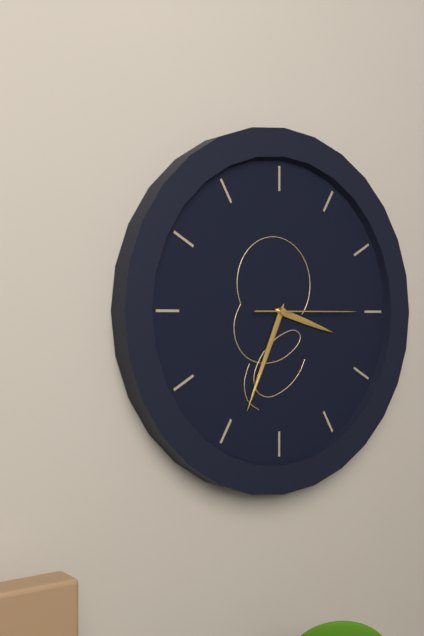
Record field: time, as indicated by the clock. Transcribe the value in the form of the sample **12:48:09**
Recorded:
**3:34:15**
